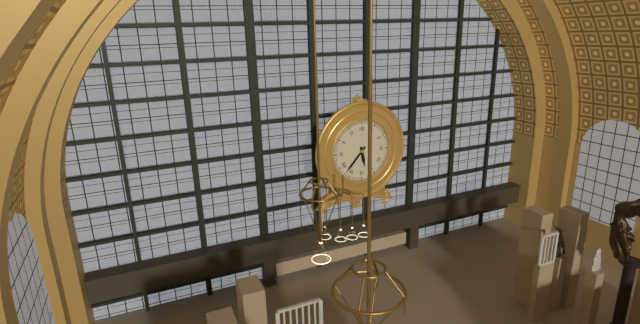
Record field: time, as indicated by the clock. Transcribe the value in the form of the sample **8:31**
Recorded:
**5:37**
